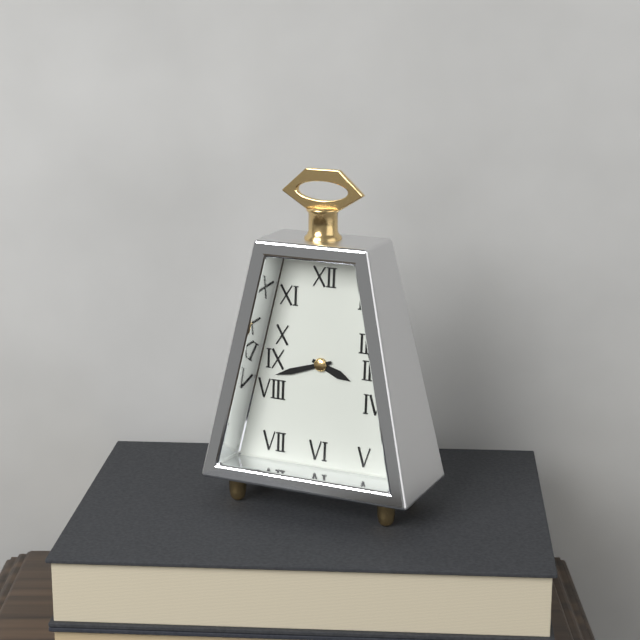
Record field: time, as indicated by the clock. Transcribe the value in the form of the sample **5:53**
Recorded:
**3:42**
